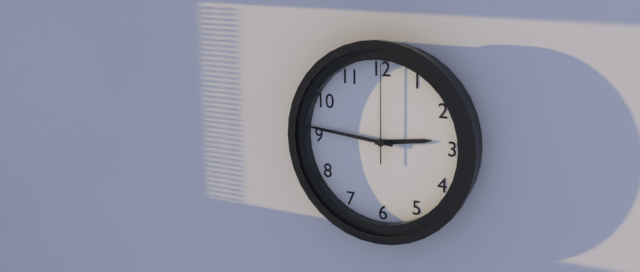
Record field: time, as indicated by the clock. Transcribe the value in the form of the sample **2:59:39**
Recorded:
**2:46:00**
